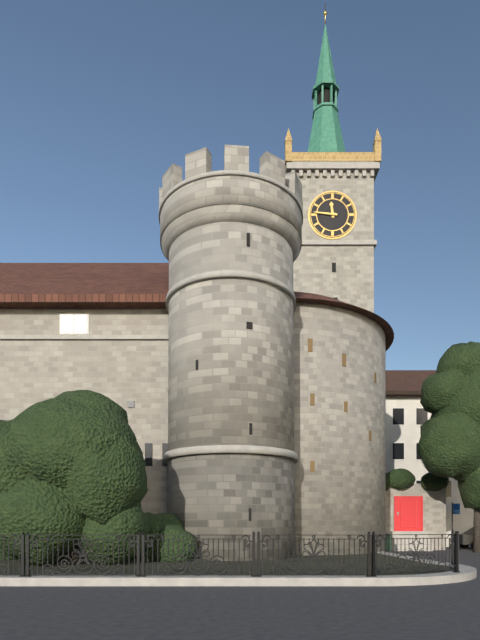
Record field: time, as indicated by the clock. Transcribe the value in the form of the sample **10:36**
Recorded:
**11:46**
